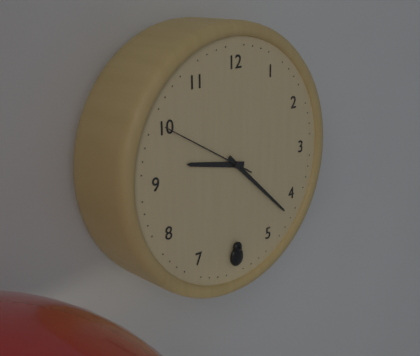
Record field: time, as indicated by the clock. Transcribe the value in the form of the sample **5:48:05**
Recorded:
**9:22:50**
